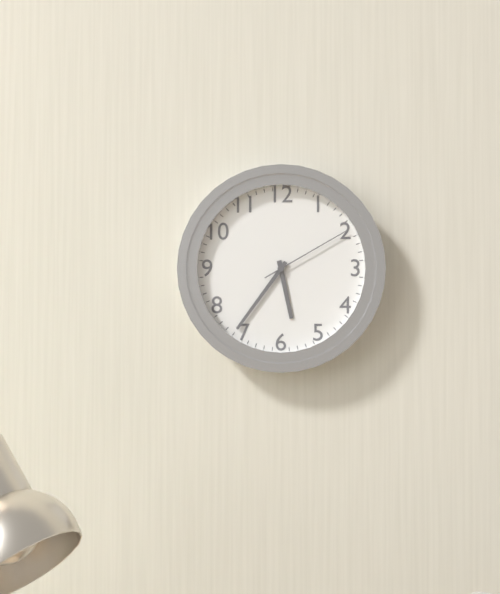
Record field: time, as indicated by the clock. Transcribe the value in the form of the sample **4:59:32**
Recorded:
**5:36:10**
